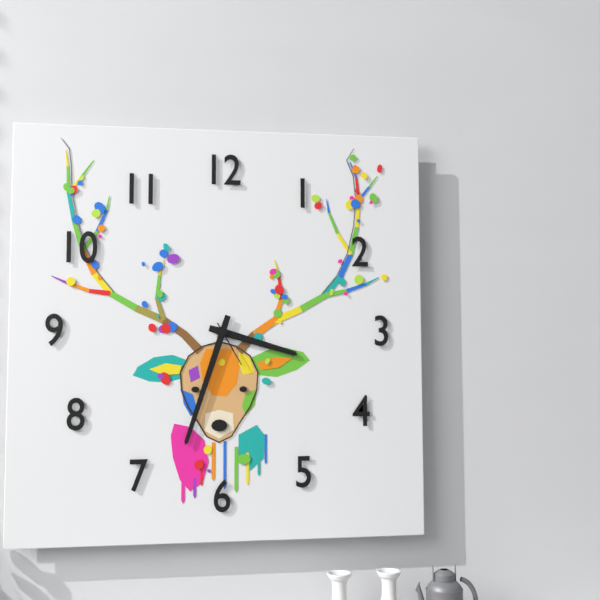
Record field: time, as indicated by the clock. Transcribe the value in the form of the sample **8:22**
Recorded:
**3:33**
